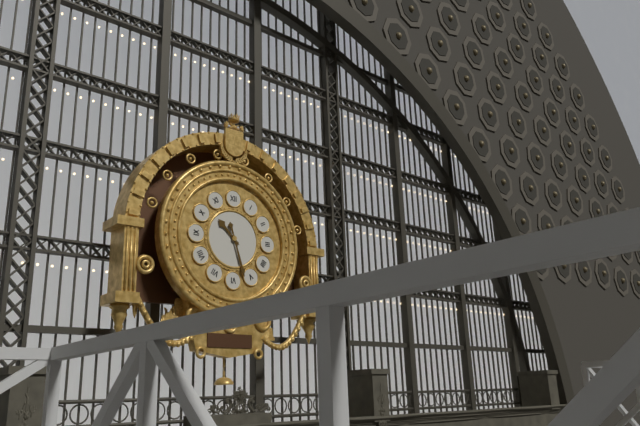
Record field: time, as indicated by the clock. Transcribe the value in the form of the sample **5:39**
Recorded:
**10:27**
